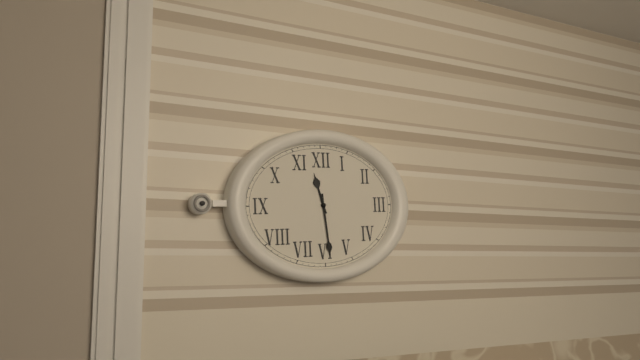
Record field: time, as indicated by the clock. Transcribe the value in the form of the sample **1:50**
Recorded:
**11:29**
